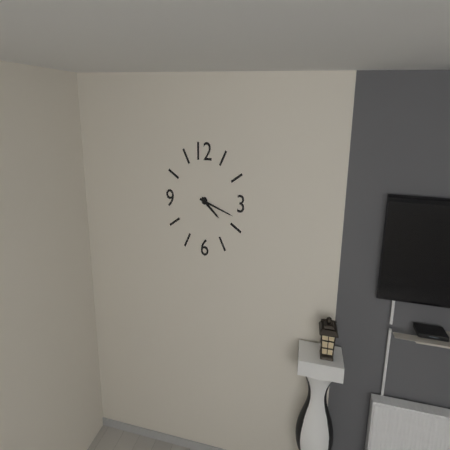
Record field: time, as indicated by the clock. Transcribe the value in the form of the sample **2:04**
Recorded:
**4:18**
